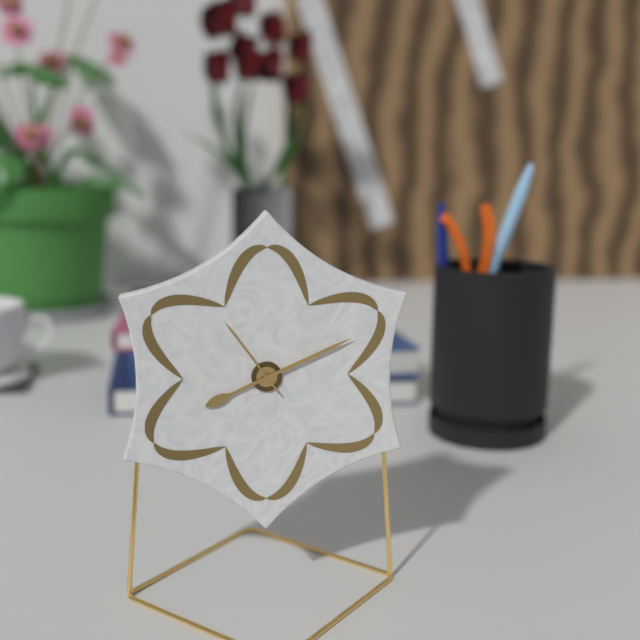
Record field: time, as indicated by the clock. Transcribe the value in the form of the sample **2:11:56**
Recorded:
**8:11:54**
